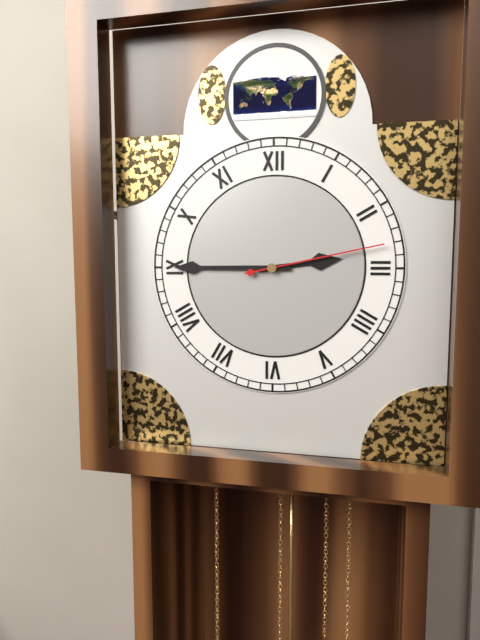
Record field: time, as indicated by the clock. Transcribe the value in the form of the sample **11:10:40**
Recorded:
**2:45:13**
